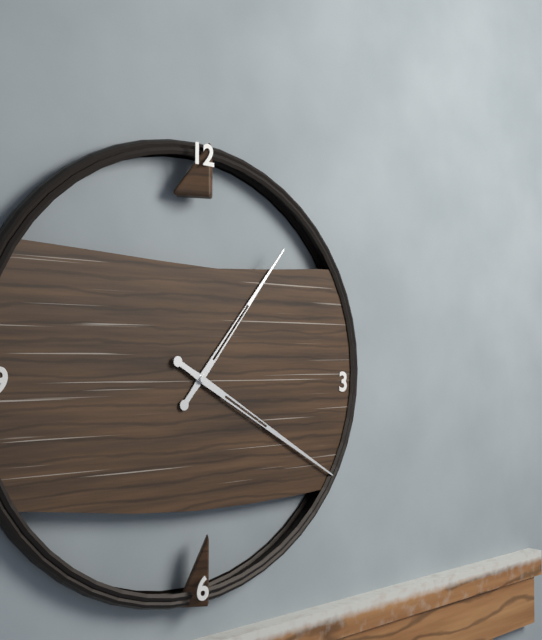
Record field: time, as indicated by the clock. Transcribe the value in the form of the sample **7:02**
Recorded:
**1:20**
